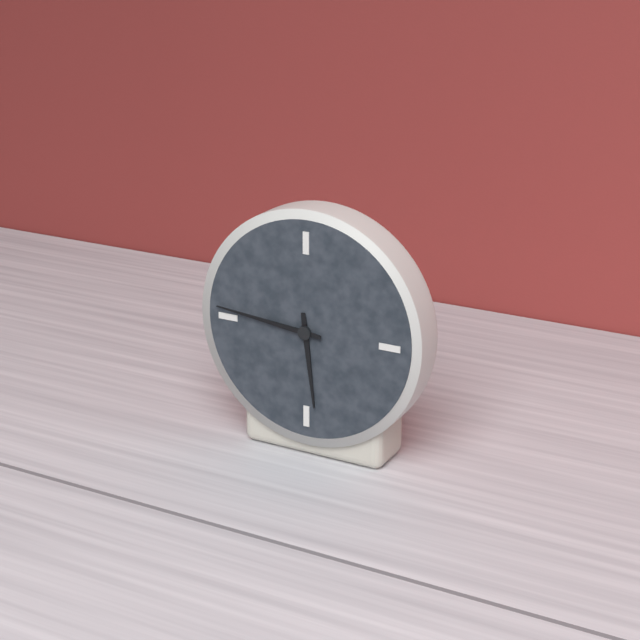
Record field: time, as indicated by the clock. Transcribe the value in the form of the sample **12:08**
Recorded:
**5:46**
